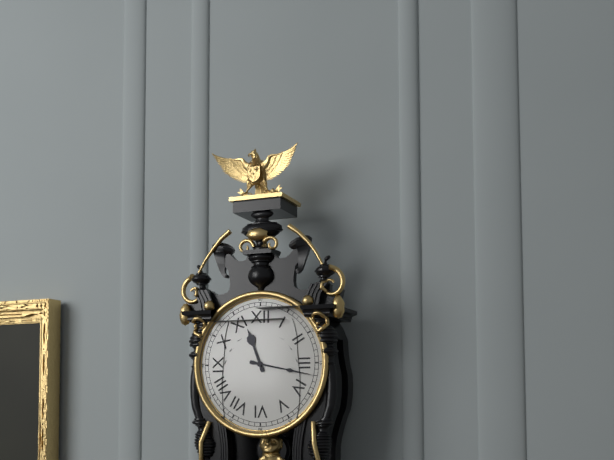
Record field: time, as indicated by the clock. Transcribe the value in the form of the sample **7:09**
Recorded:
**11:17**
